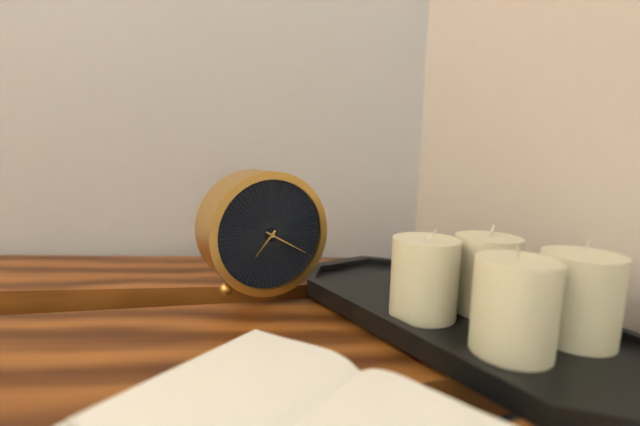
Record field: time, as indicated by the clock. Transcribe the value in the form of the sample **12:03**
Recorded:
**7:20**
